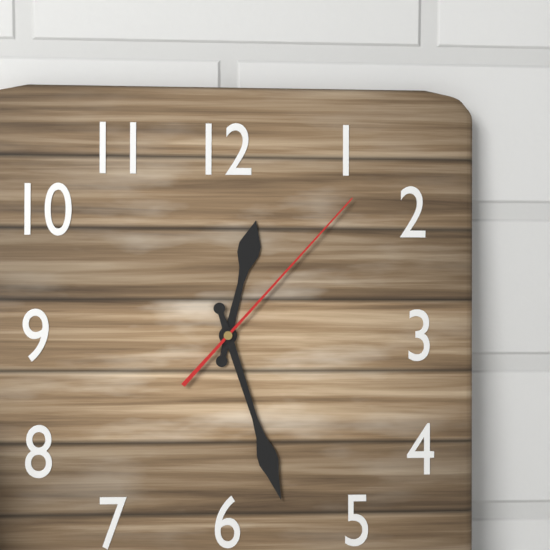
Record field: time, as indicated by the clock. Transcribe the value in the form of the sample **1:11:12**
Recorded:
**12:27:07**
